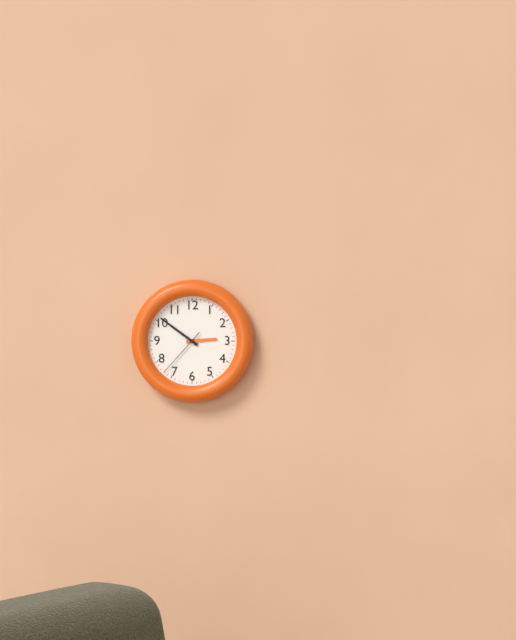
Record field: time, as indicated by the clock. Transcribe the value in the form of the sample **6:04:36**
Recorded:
**2:51:37**
